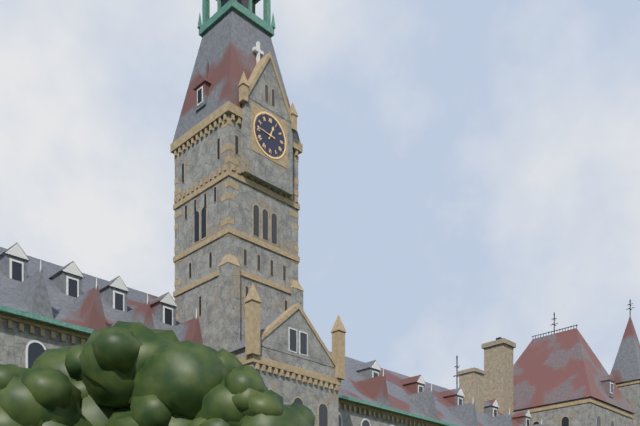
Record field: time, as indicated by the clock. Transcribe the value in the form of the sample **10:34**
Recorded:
**12:46**
